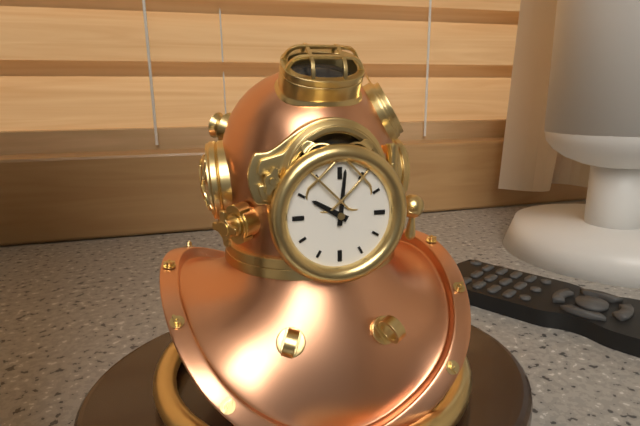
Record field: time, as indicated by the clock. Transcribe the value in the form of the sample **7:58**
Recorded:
**10:01**
